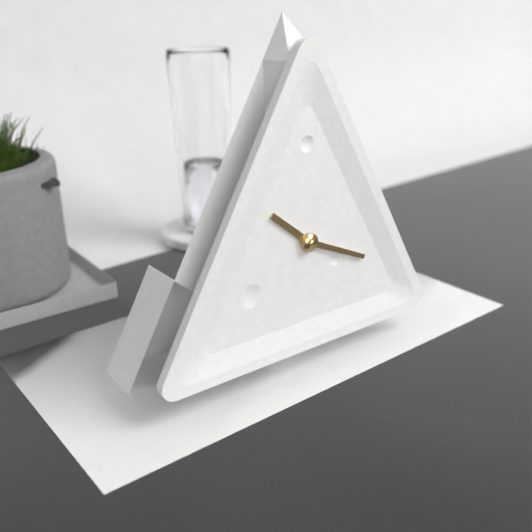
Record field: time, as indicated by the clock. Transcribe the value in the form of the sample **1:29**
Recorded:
**10:19**
